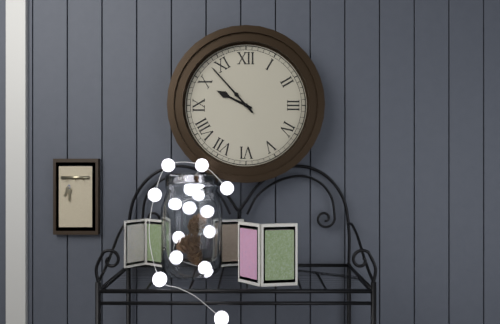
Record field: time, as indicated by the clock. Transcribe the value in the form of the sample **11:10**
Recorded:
**9:53**
